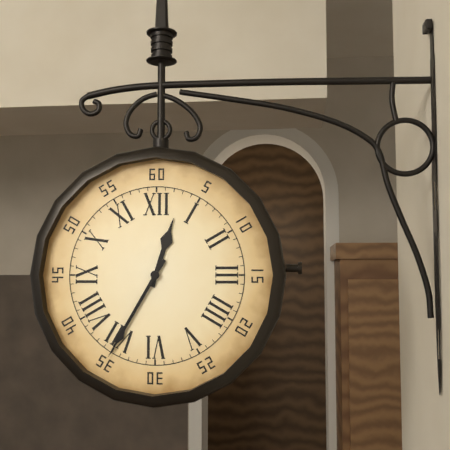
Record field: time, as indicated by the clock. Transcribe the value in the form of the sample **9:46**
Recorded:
**12:35**
